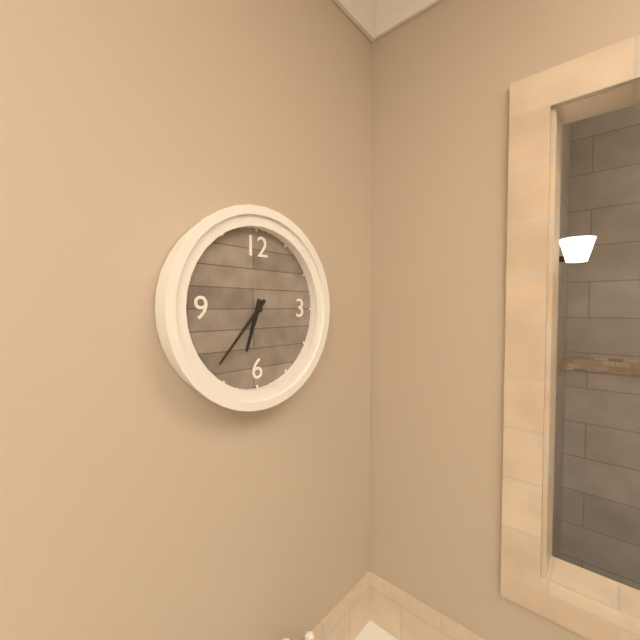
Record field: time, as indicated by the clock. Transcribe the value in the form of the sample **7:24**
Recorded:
**6:37**
